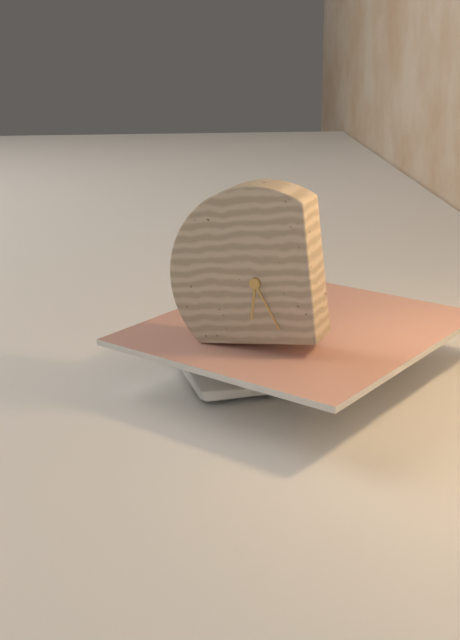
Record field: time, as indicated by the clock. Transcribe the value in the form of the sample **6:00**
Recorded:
**6:26**
